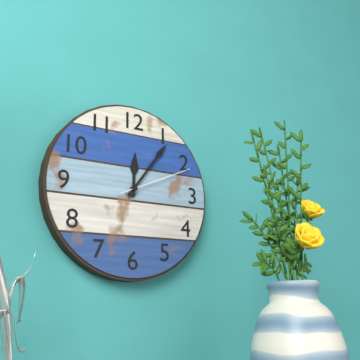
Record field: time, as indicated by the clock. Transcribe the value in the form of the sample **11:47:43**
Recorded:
**12:06:11**
